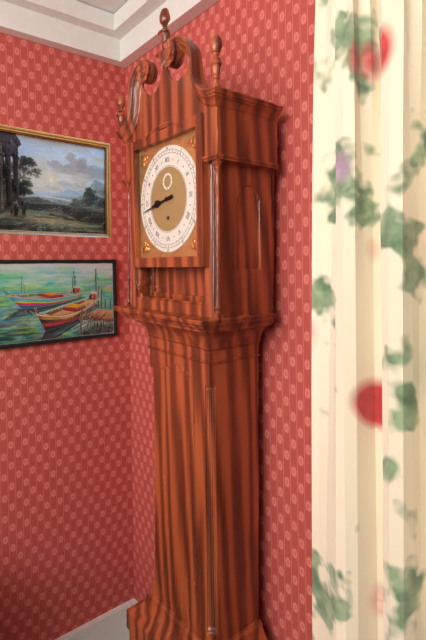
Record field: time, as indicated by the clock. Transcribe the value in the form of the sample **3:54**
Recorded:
**8:43**
